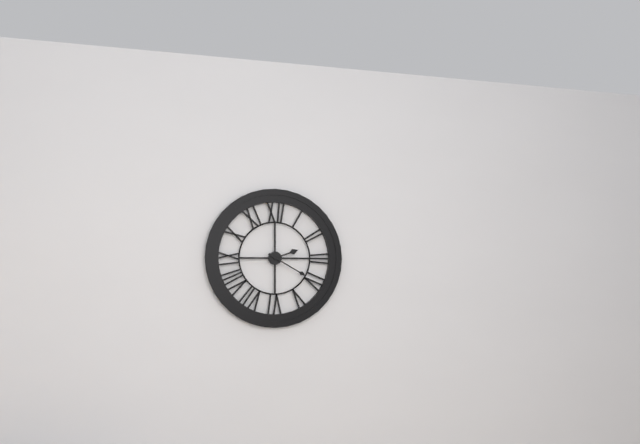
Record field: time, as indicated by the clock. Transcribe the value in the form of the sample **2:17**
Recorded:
**2:20**
